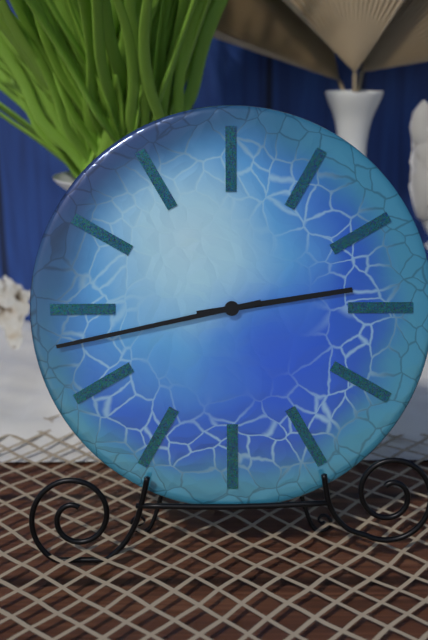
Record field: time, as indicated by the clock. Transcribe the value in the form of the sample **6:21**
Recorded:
**2:43**
